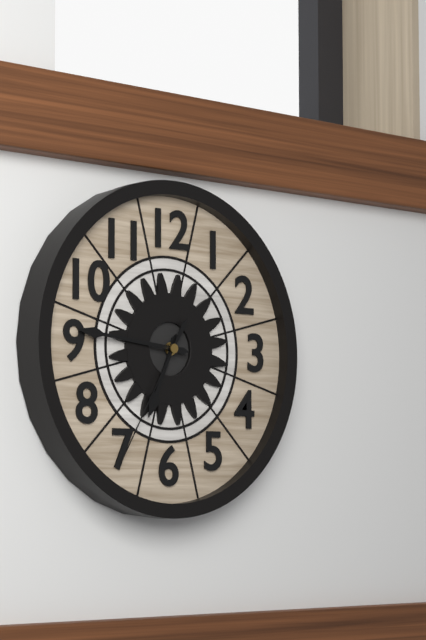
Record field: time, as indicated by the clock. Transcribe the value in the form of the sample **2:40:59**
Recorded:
**6:46:35**
